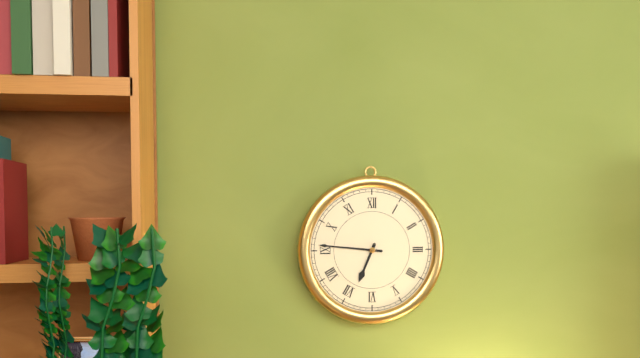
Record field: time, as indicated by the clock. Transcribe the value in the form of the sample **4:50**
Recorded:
**6:46**
